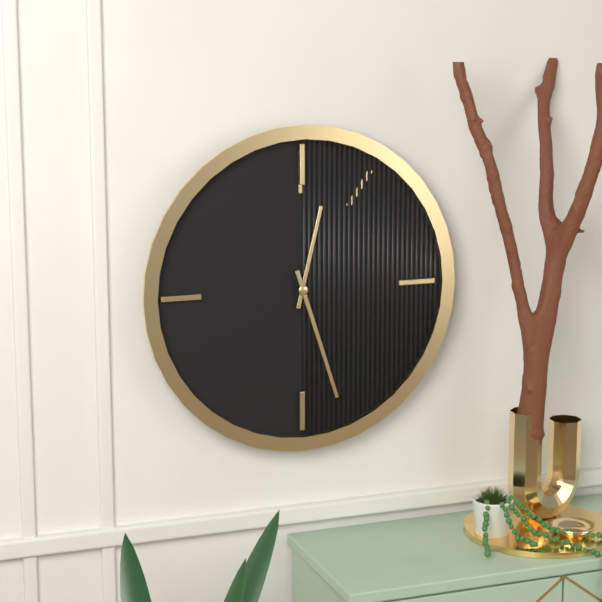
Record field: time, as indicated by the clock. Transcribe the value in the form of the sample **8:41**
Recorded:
**12:27**
